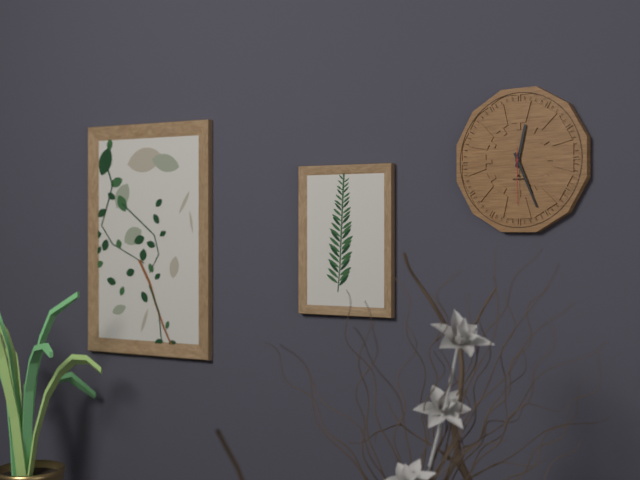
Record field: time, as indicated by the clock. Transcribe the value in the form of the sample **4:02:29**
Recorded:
**12:26:30**
